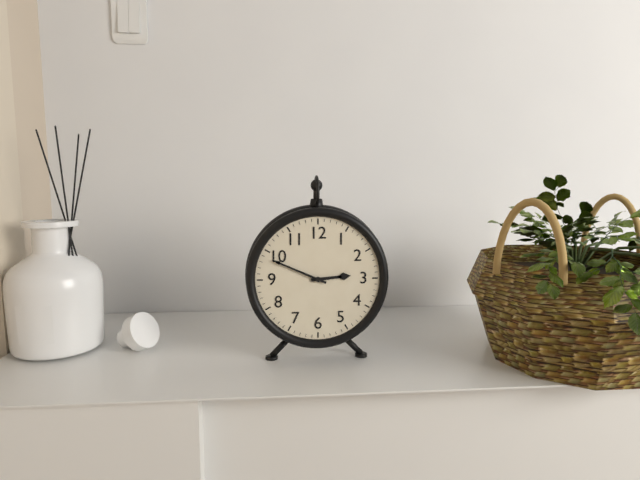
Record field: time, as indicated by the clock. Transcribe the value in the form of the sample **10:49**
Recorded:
**2:49**
